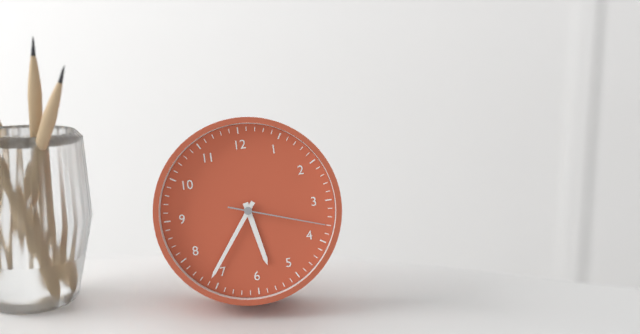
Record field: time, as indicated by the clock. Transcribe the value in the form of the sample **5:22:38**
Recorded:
**5:36:18**
